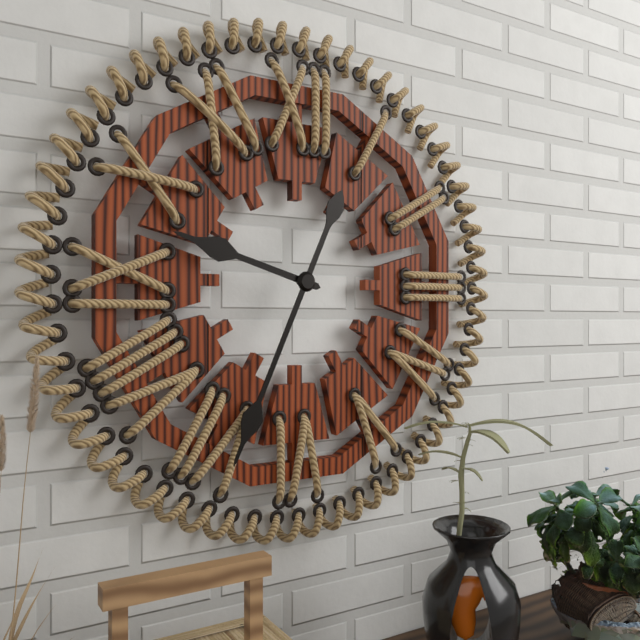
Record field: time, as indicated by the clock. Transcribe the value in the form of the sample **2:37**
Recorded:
**9:34**
